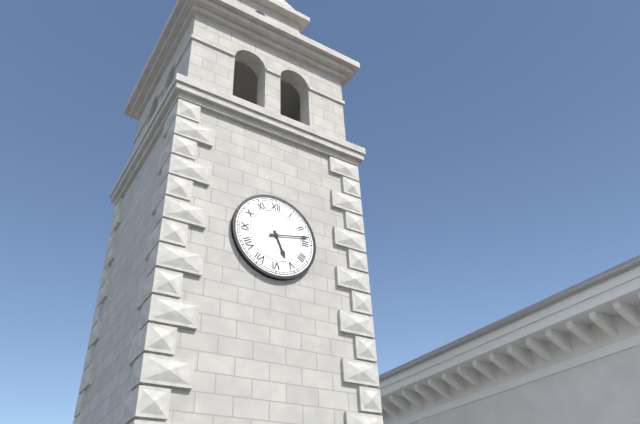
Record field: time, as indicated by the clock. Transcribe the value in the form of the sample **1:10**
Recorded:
**5:13**
